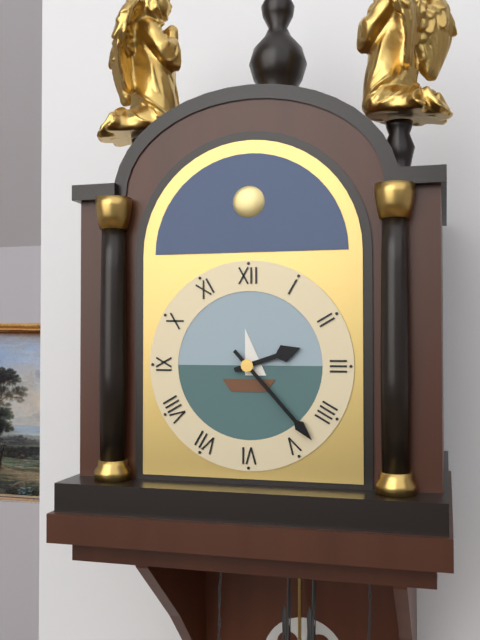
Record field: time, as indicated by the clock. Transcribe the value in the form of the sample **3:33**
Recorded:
**2:23**
